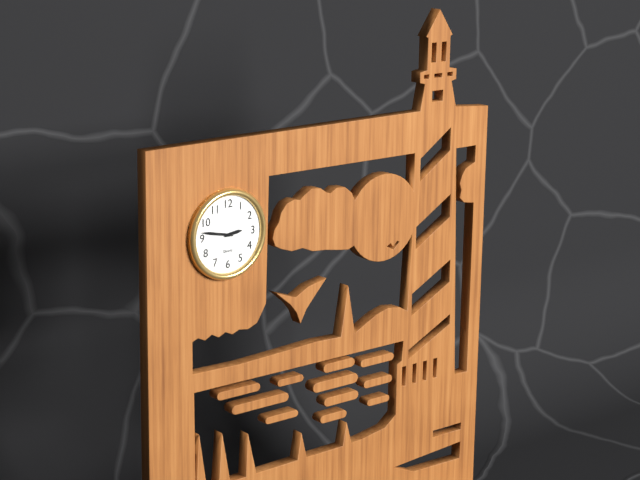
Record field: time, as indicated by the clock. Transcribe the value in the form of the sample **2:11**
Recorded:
**2:47**
